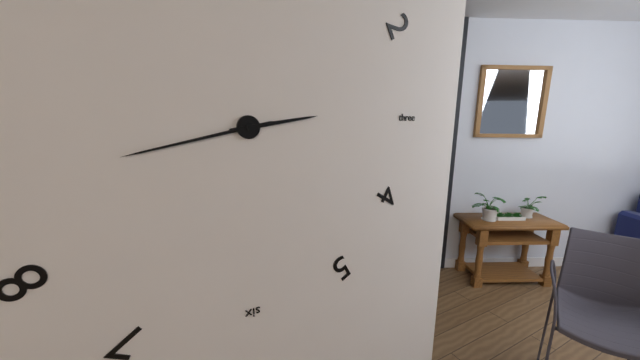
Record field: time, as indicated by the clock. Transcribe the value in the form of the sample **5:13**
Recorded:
**2:43**
